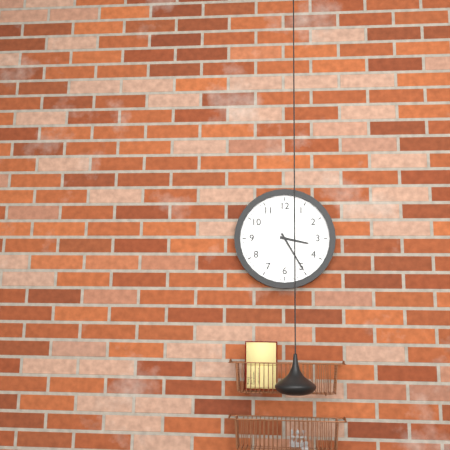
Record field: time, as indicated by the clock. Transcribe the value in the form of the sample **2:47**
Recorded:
**3:25**
